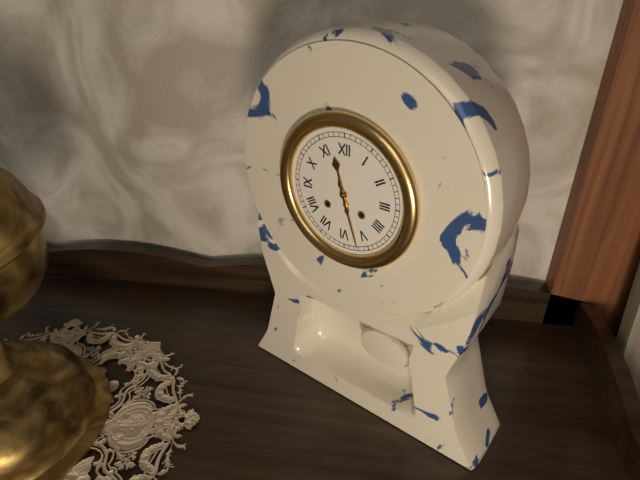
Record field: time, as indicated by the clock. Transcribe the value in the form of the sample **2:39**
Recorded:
**11:27**
